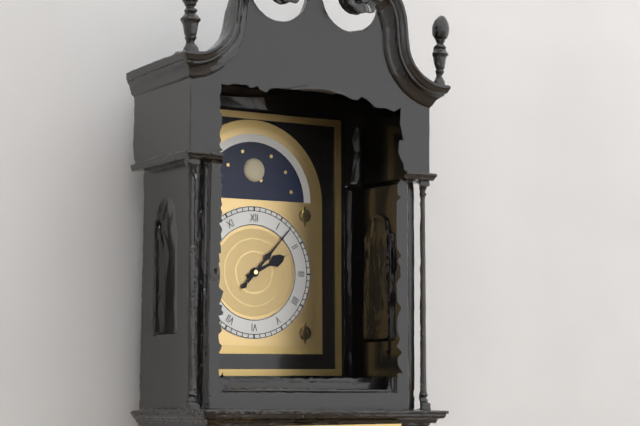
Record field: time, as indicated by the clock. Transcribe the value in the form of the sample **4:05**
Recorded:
**2:07**
